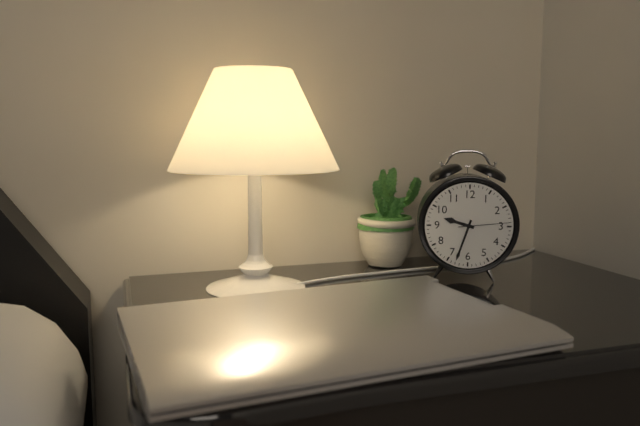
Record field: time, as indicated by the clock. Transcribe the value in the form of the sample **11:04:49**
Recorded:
**9:33:14**
